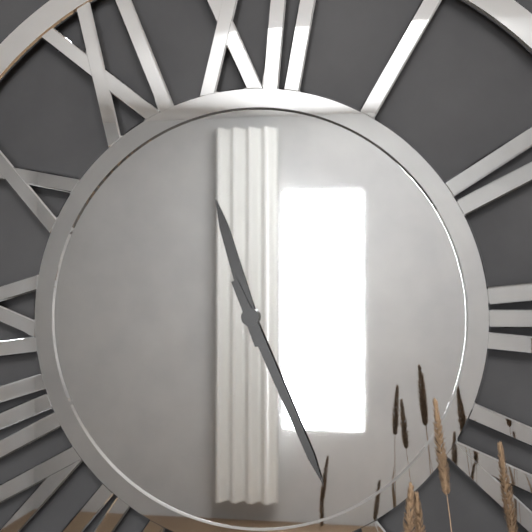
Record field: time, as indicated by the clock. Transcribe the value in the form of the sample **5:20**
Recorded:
**11:26**
